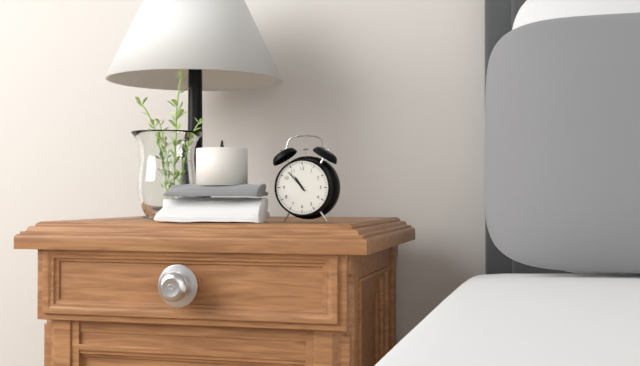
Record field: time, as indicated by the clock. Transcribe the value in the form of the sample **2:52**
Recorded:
**10:53**
